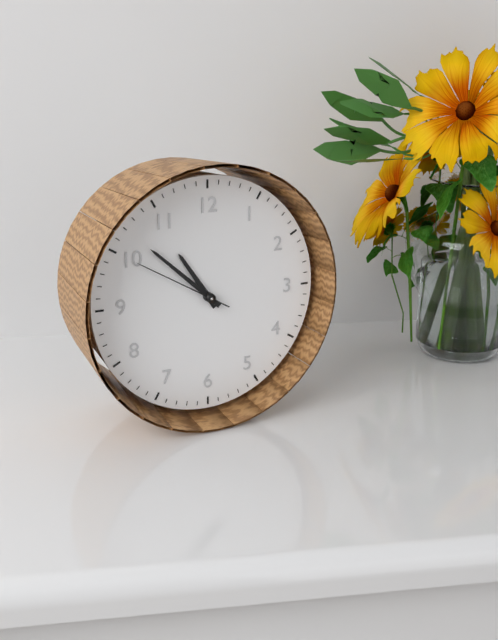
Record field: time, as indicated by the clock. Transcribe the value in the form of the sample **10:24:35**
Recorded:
**10:52:50**
